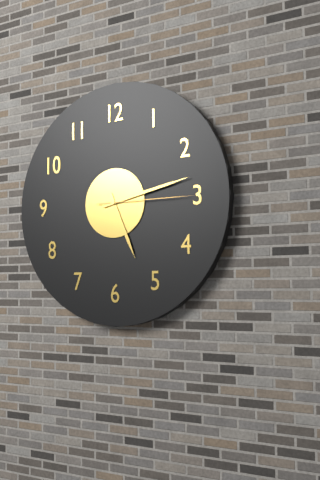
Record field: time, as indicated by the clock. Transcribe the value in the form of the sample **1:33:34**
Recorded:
**5:13:15**
